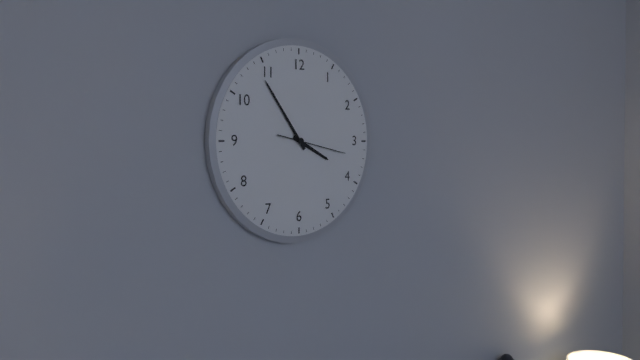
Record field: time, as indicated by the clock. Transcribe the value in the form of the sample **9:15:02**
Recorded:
**3:54:17**
